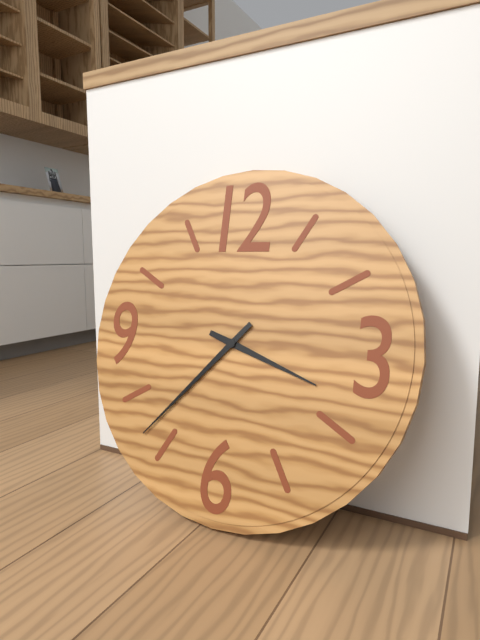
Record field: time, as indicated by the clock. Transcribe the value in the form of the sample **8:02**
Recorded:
**3:37**
